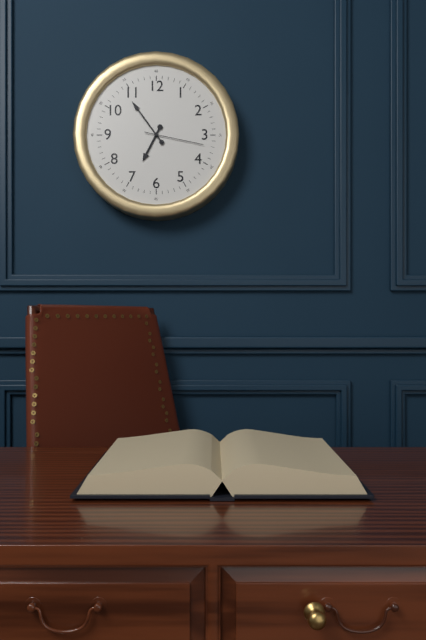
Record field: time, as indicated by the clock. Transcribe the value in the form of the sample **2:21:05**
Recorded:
**6:54:17**
